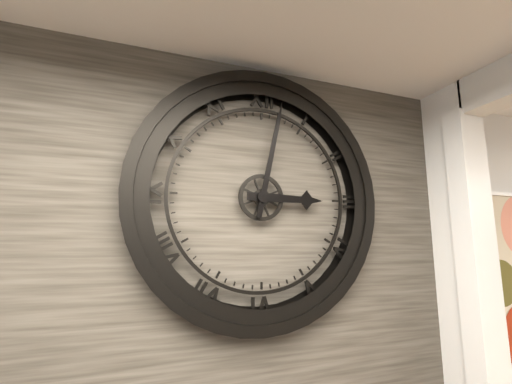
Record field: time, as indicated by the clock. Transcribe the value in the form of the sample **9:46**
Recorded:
**3:02**
